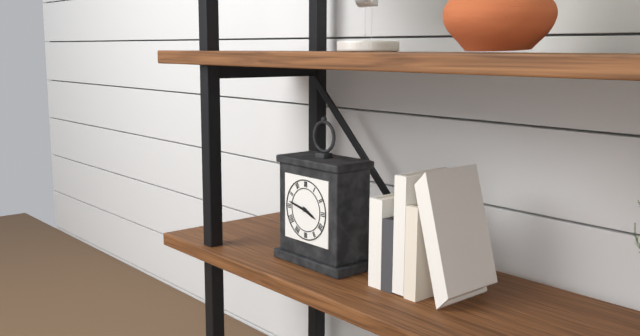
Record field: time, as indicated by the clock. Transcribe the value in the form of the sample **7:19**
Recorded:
**3:47**
